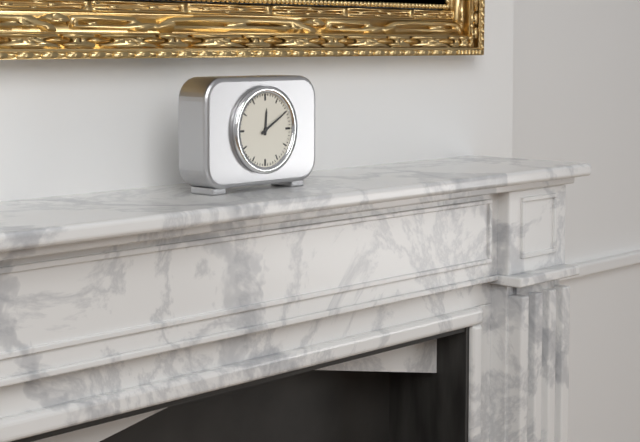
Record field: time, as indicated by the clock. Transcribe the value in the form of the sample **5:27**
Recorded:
**12:10**
